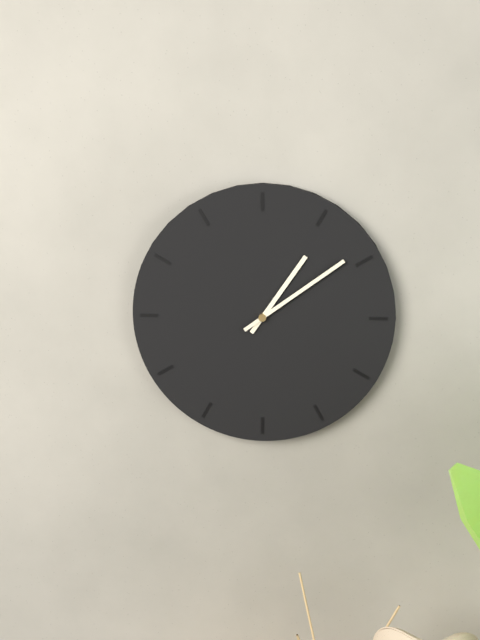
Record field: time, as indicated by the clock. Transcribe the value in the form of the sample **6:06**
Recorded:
**1:09**
